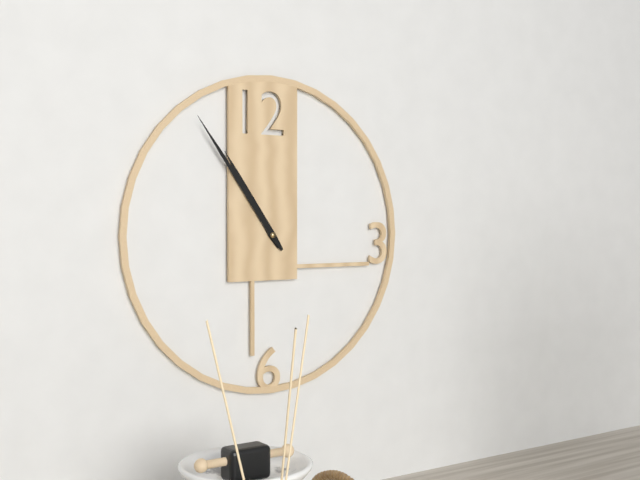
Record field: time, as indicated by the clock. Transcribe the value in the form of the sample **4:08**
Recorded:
**10:54**
